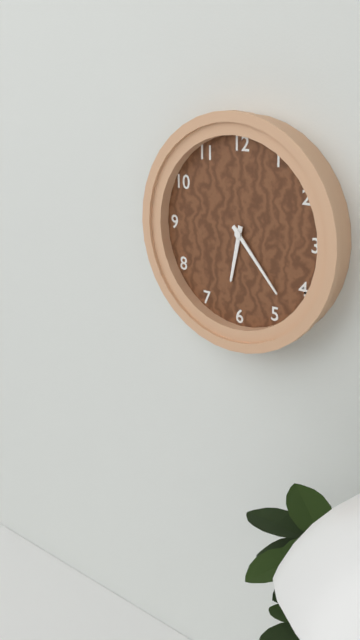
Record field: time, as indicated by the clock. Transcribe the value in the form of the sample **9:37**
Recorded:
**6:23**
